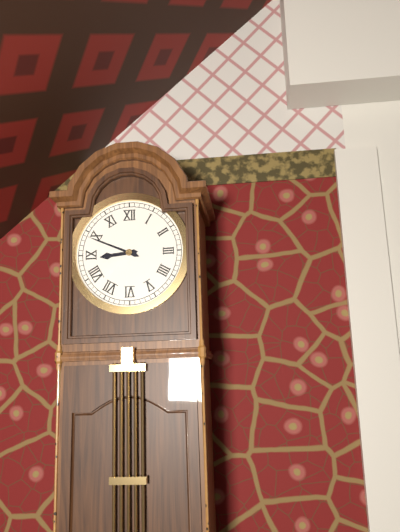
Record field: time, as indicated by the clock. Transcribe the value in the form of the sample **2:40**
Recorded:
**8:49**
